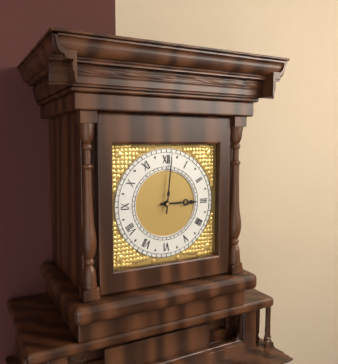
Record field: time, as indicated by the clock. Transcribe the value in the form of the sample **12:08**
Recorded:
**3:01**
